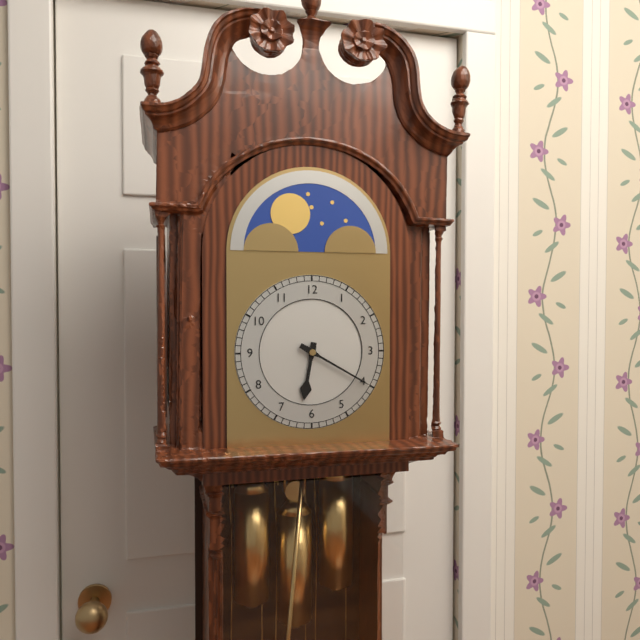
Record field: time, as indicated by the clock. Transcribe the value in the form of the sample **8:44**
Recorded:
**6:20**
